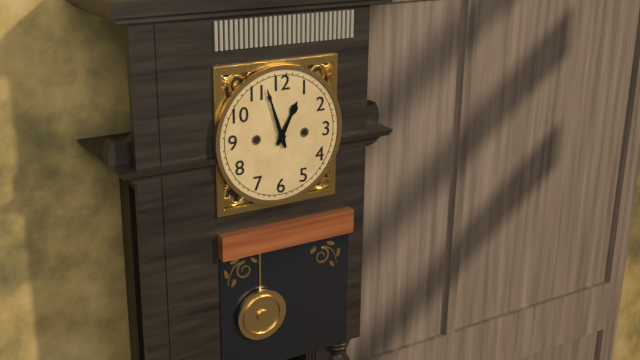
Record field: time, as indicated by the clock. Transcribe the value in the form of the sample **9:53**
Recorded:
**12:57**
